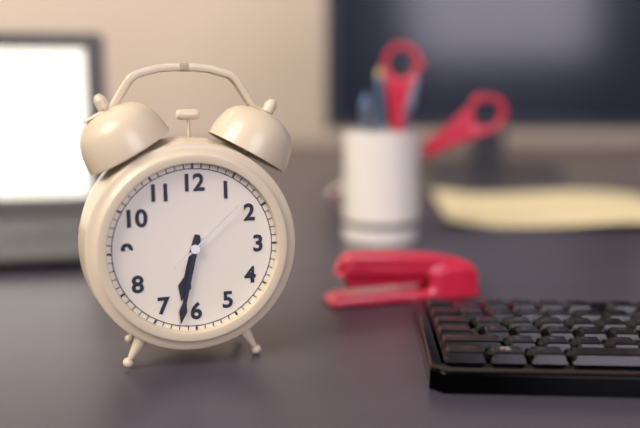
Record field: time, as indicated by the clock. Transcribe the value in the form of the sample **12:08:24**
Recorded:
**6:32:08**
